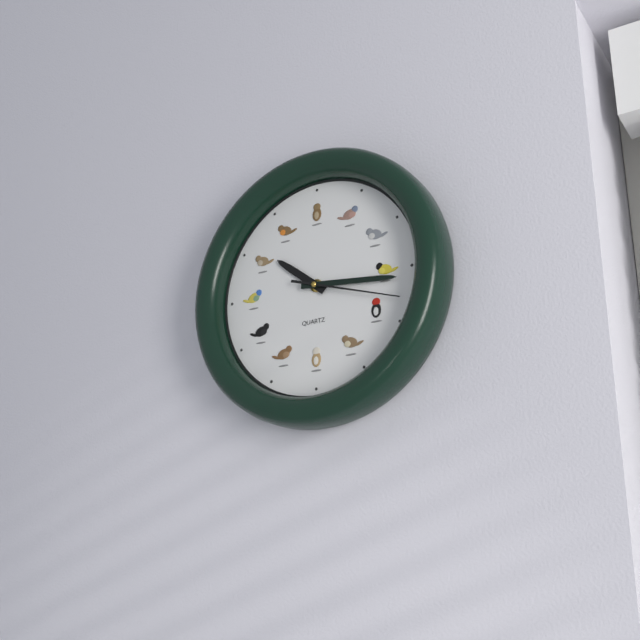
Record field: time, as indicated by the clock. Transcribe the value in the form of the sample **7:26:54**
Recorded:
**10:16:18**
